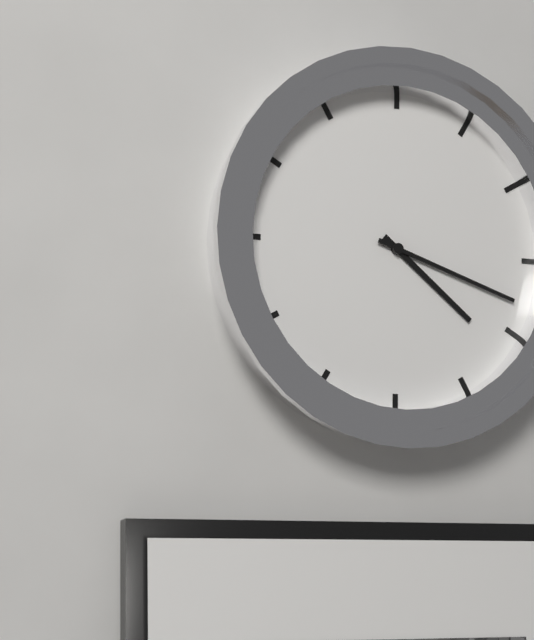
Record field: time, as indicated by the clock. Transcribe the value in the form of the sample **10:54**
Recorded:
**4:18**
